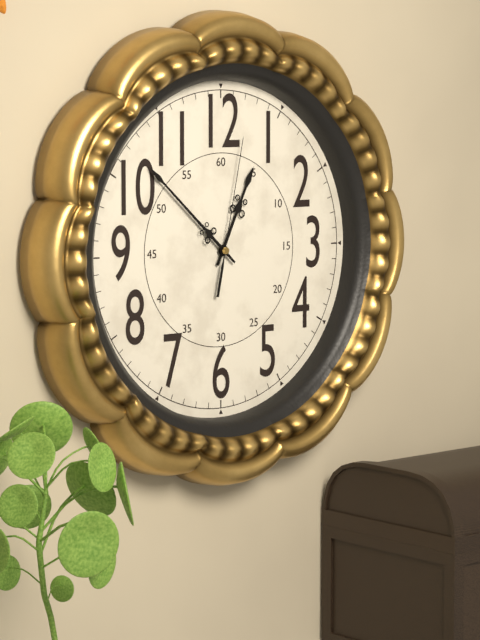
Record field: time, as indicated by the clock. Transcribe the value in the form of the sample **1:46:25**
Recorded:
**12:52:02**
